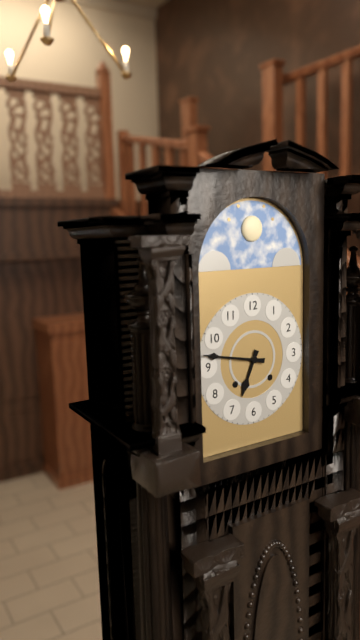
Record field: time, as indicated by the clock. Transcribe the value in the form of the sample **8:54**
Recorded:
**6:47**
